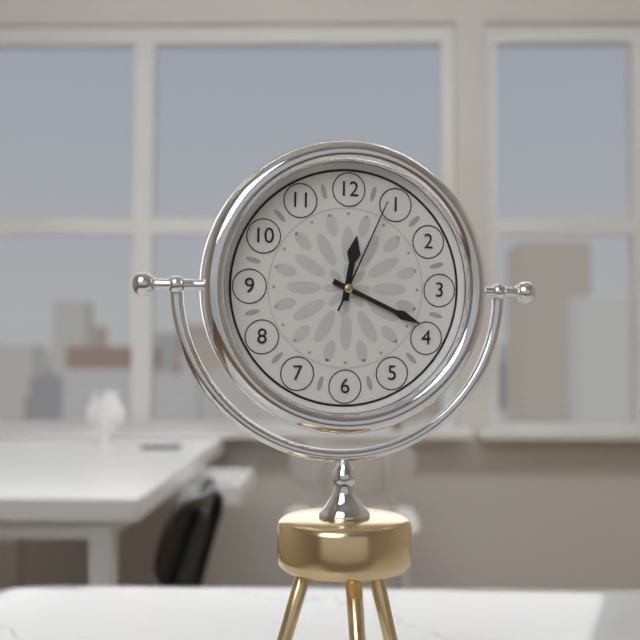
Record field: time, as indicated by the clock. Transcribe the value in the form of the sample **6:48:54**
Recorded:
**12:19:04**
